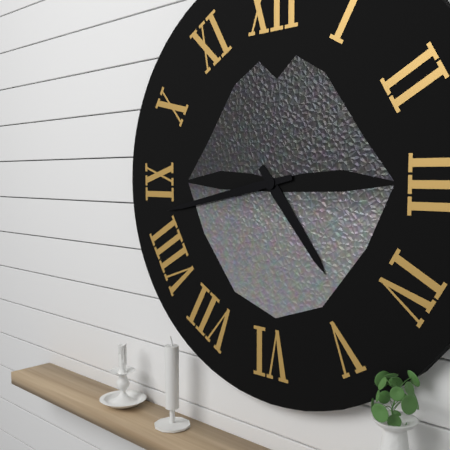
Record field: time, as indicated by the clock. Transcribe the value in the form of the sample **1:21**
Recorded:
**4:43**
